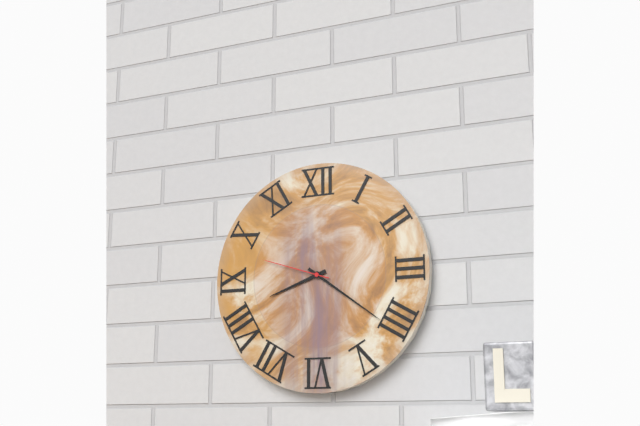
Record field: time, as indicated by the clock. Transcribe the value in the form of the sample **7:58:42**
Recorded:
**8:21:48**
